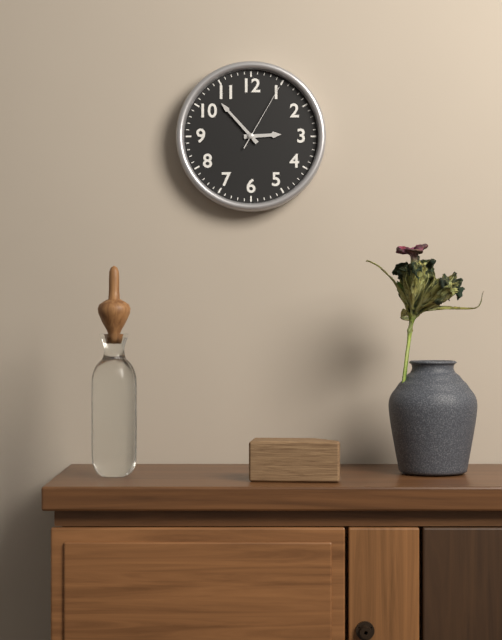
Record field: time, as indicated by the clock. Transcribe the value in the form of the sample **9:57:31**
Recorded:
**2:53:05**
